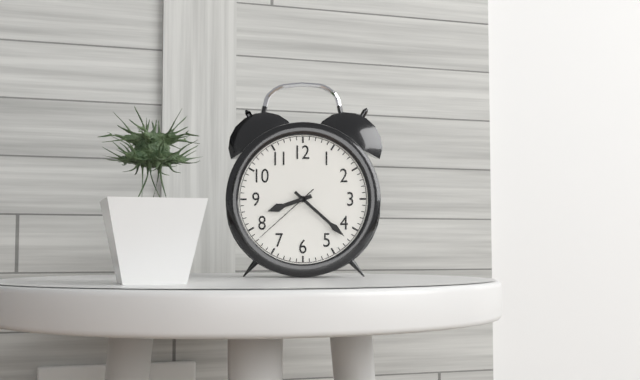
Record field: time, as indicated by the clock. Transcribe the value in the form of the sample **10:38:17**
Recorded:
**8:22:38**
